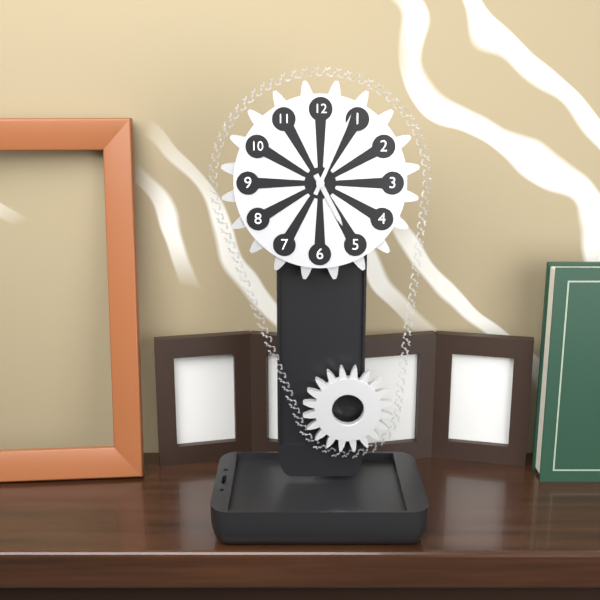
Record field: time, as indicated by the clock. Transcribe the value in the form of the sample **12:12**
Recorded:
**5:04**
